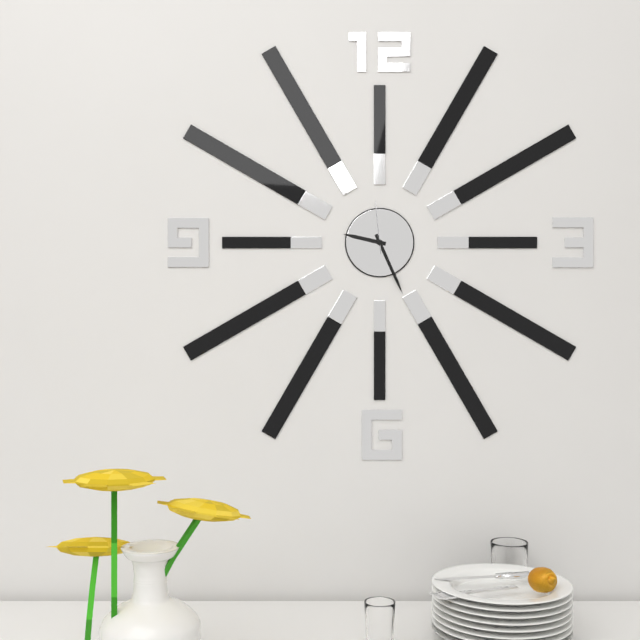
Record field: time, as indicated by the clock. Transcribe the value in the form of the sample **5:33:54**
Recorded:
**9:26:59**
